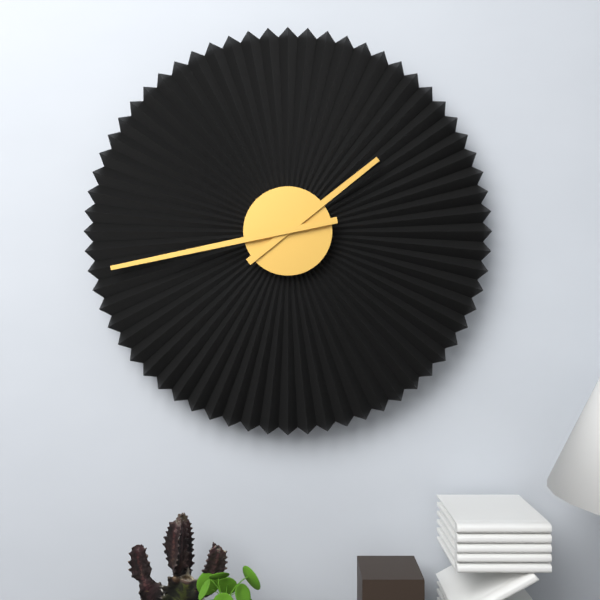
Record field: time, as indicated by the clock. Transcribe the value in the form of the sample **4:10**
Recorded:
**1:43**
